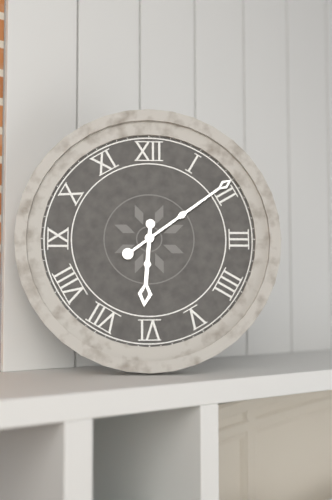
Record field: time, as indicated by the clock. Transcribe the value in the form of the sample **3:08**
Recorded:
**6:09**
